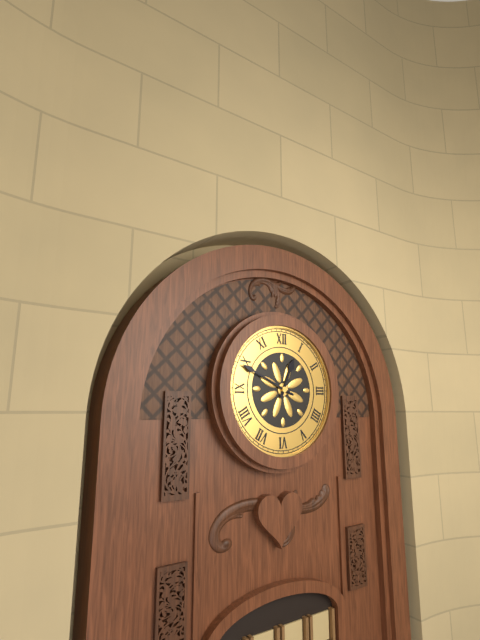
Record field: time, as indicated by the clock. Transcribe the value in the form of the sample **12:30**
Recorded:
**12:49**
